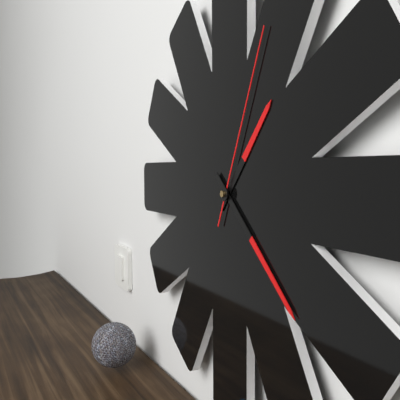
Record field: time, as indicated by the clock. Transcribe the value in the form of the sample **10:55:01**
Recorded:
**1:22:04**
